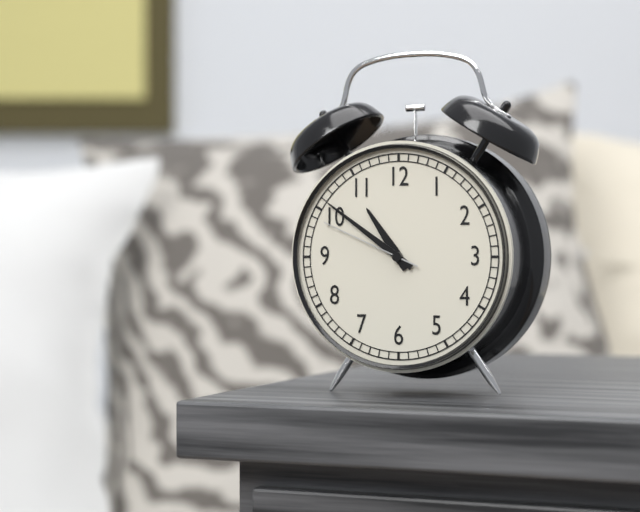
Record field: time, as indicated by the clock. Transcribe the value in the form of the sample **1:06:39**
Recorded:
**10:51:49**
